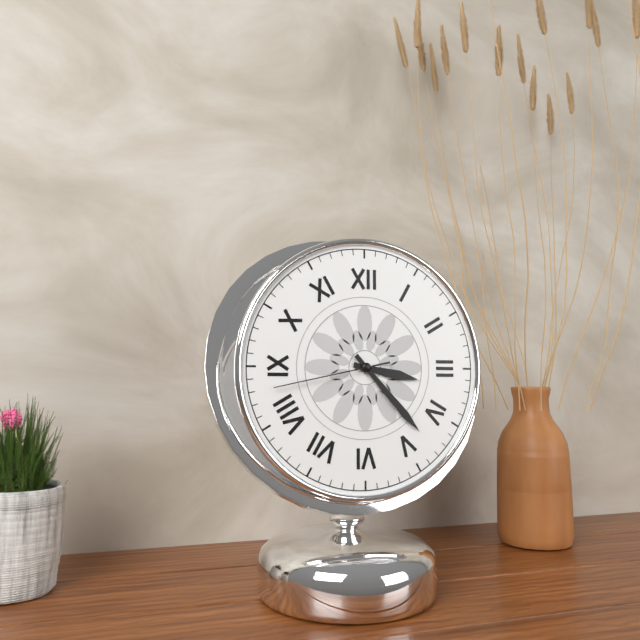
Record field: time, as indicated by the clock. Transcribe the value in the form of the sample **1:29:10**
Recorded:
**3:23:43**
